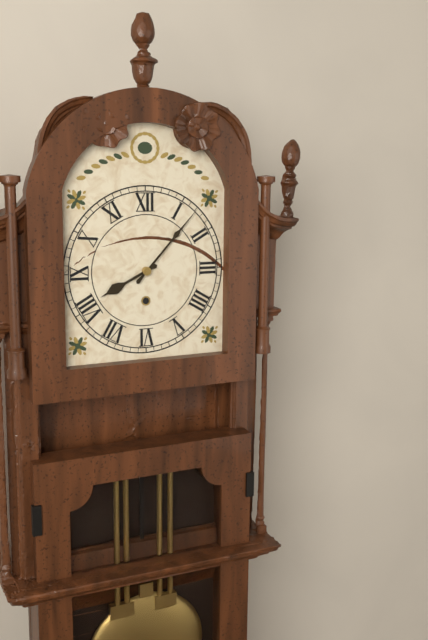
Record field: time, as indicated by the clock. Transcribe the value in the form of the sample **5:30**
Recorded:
**8:07**
